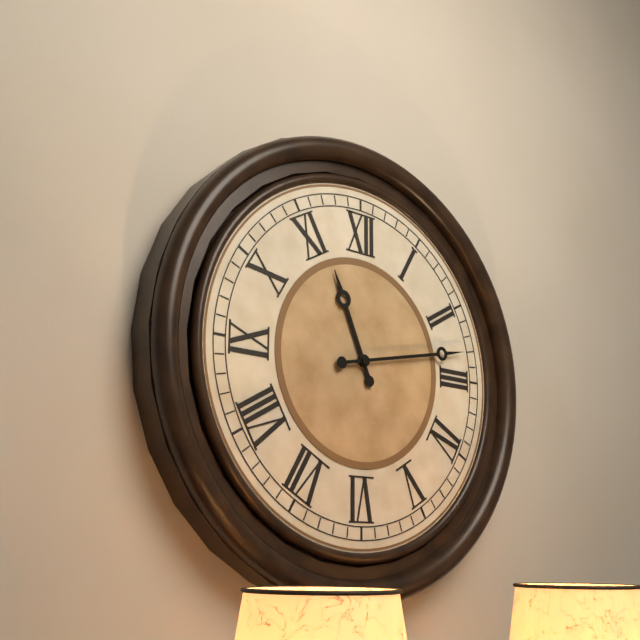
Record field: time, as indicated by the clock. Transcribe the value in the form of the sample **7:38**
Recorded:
**11:13**
